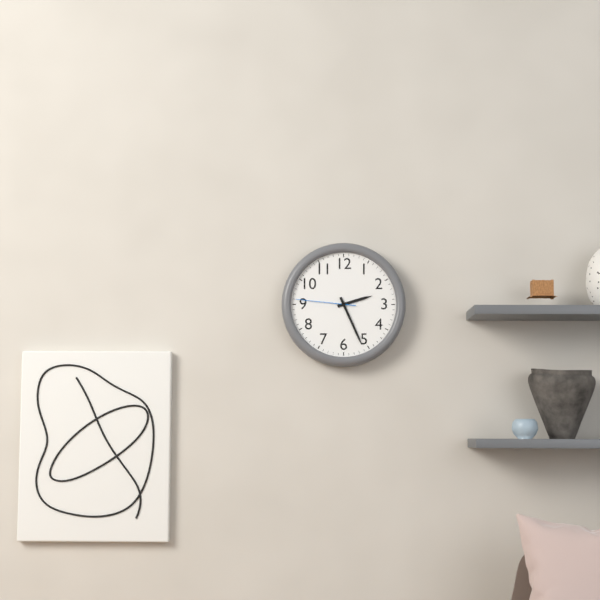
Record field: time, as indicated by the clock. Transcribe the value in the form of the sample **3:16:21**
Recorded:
**2:26:46**
